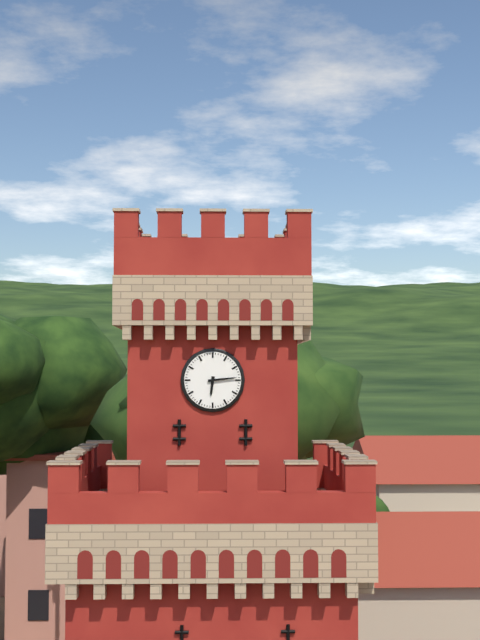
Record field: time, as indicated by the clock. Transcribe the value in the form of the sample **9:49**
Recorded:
**6:14**
